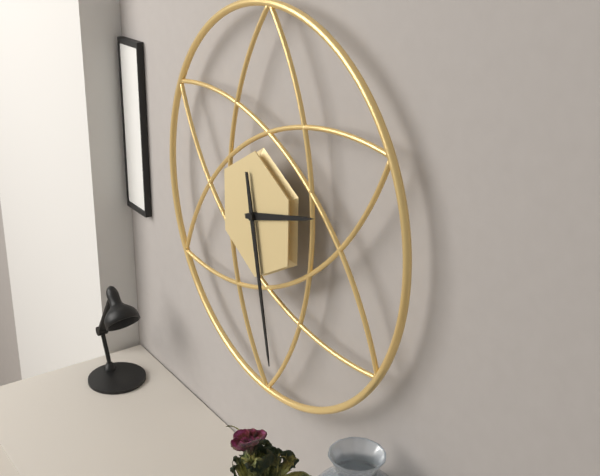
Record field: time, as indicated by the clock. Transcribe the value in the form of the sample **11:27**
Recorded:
**2:28**
